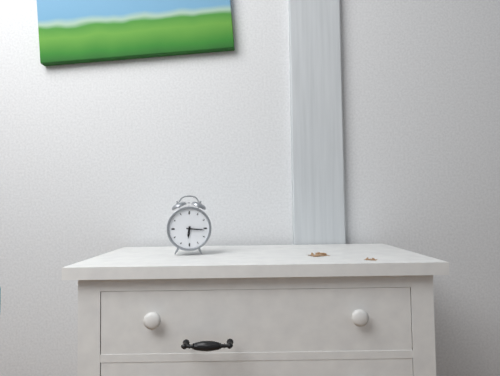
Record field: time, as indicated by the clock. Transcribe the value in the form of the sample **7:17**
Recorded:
**6:16**
